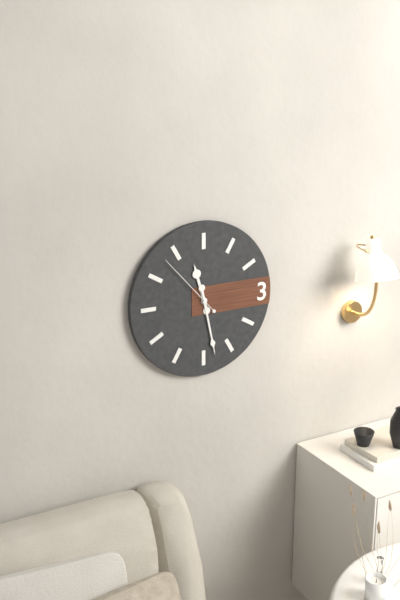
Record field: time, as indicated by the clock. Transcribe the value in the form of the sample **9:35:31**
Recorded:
**11:28:53**
